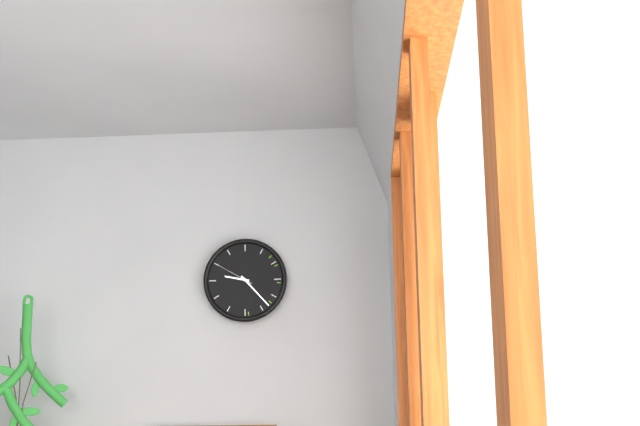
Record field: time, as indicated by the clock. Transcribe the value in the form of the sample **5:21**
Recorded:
**9:23**
